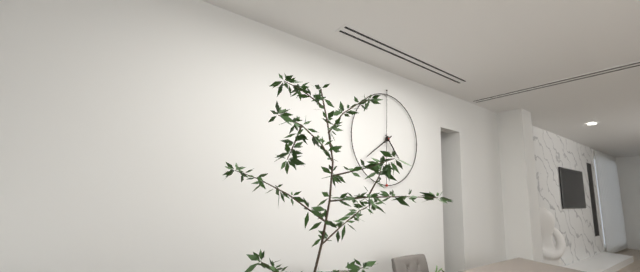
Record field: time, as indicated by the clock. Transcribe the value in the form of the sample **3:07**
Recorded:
**4:39**
